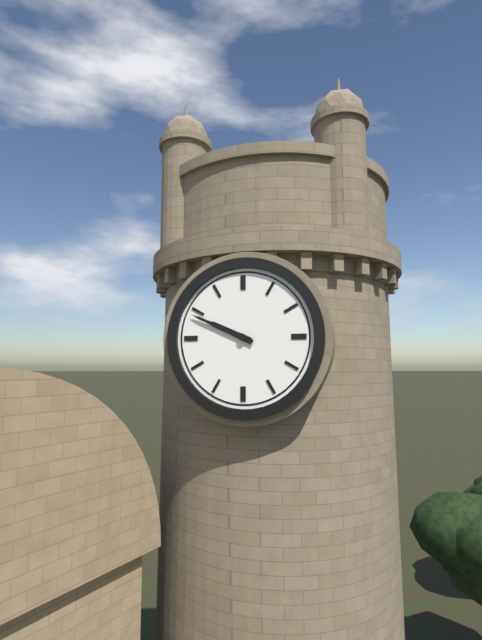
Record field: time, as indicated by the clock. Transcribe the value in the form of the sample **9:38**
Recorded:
**9:49**
